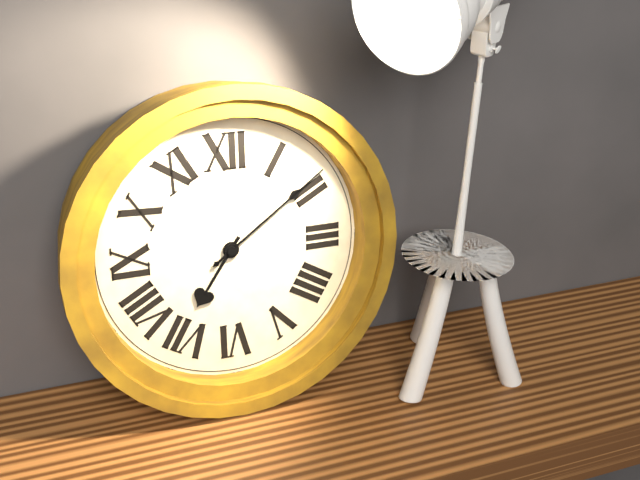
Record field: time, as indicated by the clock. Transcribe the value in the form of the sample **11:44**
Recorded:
**7:09**
